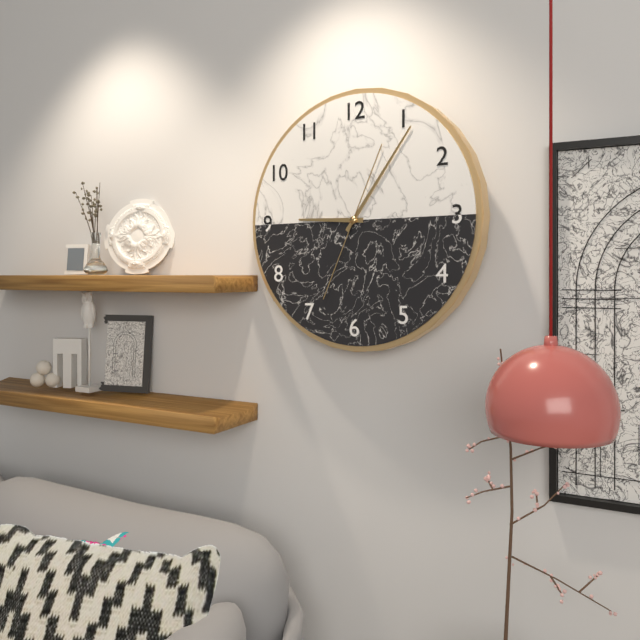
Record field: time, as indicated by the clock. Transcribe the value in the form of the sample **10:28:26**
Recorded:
**9:06:34**
